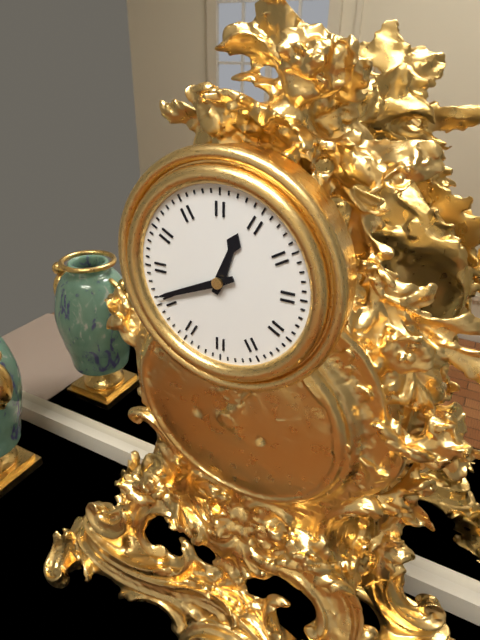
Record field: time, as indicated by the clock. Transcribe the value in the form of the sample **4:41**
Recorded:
**12:41**
